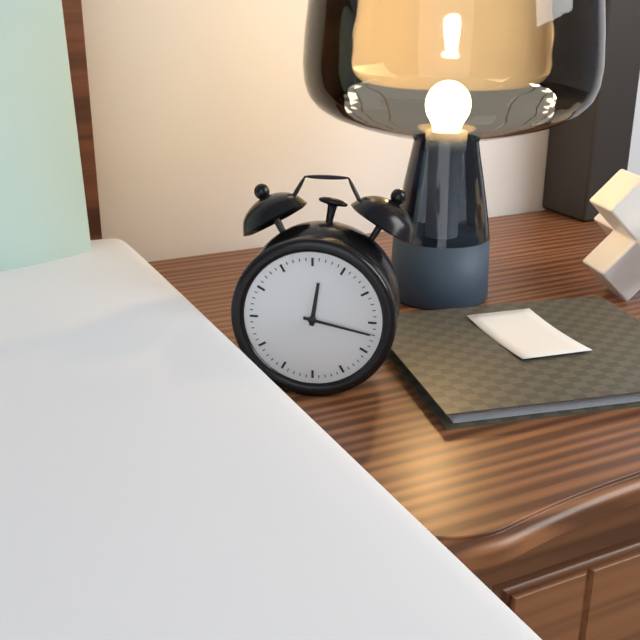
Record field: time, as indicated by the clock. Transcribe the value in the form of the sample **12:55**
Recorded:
**12:17**
